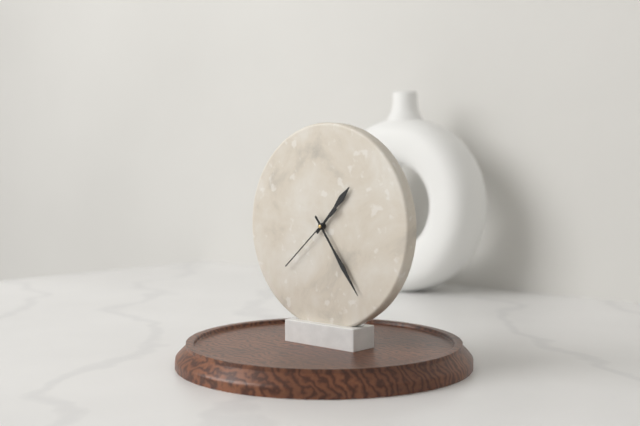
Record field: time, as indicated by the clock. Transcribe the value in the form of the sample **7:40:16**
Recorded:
**1:24:38**
